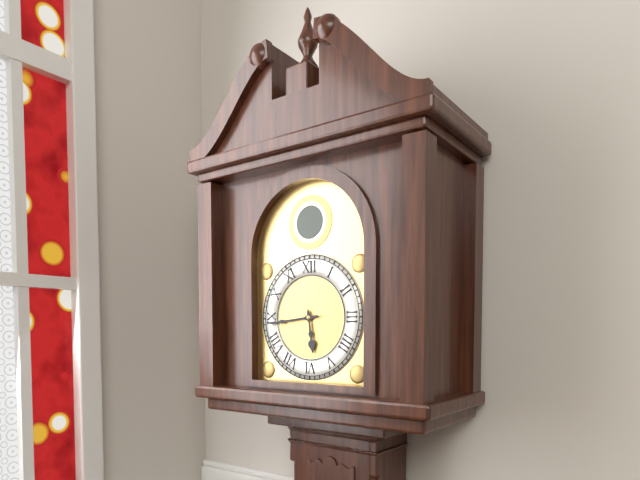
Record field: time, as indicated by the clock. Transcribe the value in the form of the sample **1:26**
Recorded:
**5:44**
